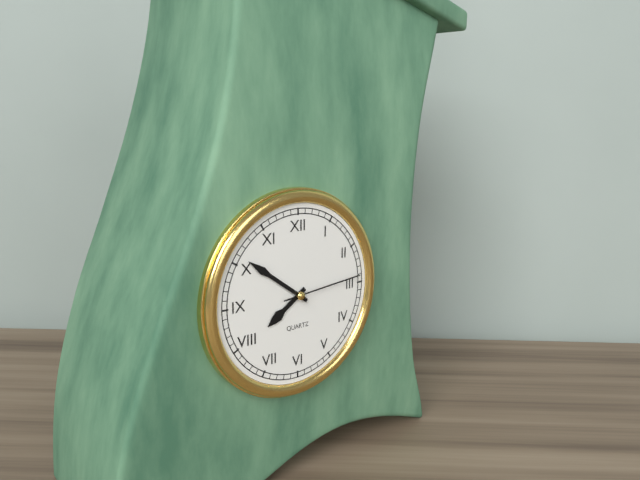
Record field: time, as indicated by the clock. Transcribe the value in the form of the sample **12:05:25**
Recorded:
**7:51:14**
